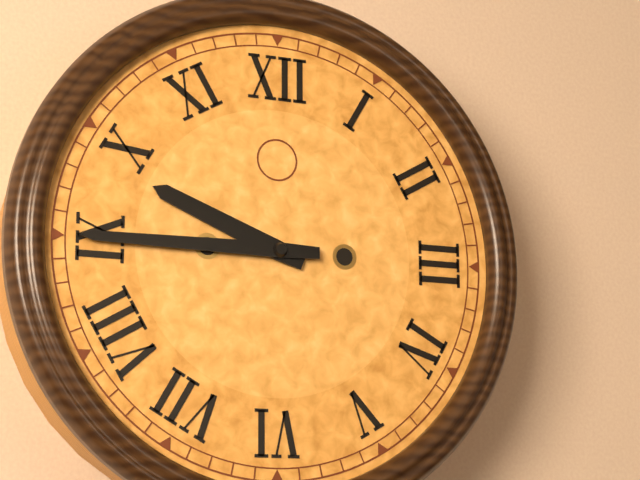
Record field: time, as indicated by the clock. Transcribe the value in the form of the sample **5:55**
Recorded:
**9:45**
